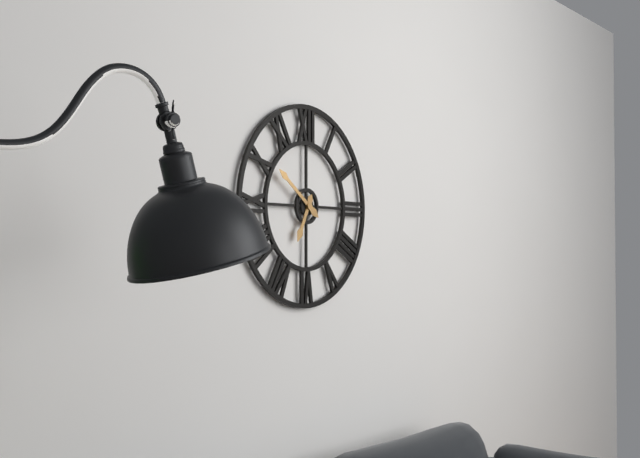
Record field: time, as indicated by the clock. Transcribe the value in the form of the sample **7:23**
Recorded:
**6:51**
